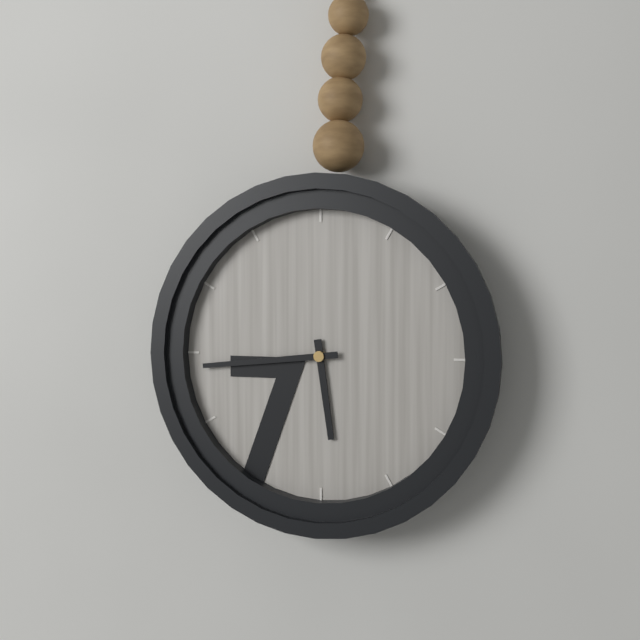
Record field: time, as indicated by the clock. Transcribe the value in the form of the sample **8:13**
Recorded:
**5:44**
